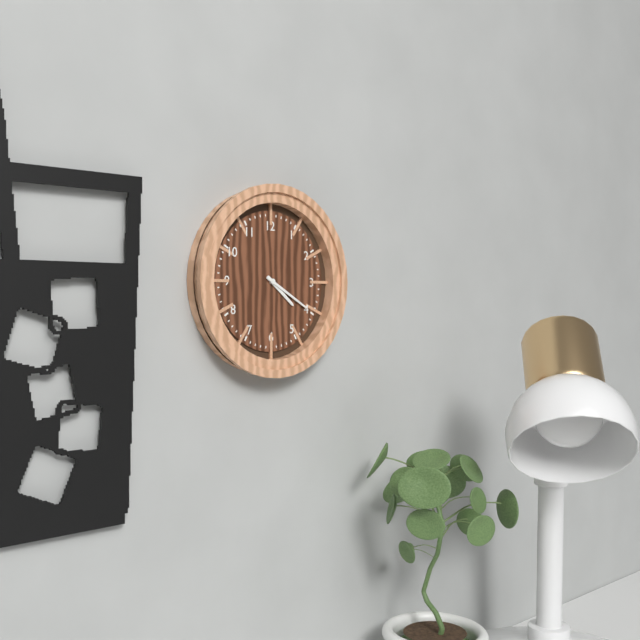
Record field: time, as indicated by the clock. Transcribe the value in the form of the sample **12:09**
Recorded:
**4:20**
